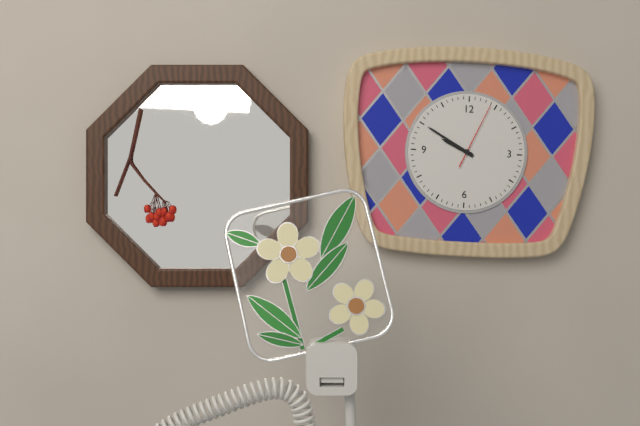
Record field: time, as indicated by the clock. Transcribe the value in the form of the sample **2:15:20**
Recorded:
**9:50:04**
